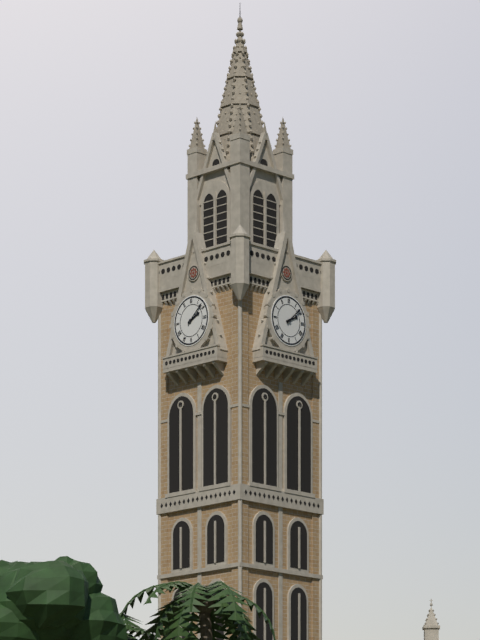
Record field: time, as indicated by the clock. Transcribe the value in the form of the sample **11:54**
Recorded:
**2:08**
